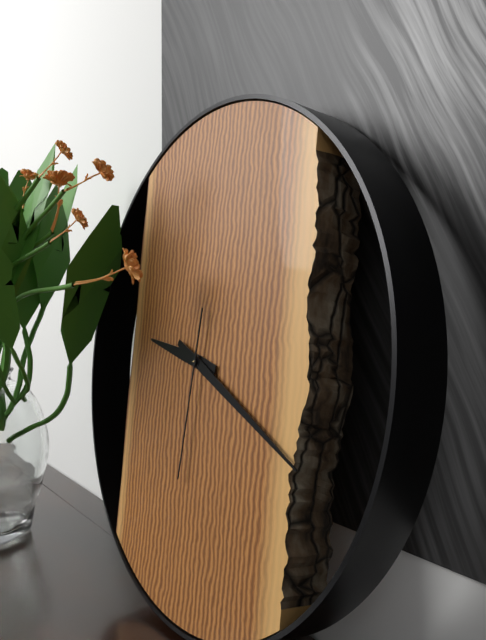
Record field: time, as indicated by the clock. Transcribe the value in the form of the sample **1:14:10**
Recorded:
**9:19:31**
